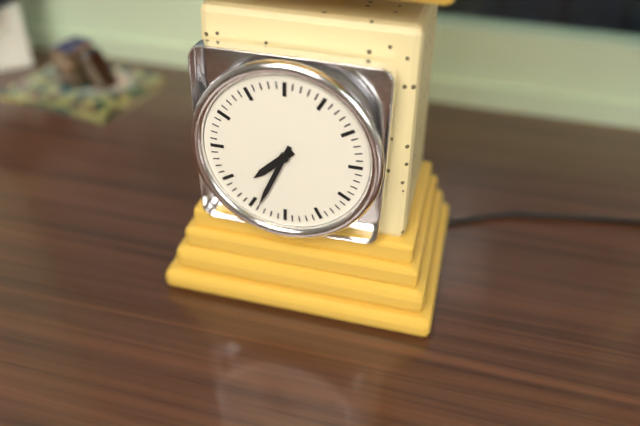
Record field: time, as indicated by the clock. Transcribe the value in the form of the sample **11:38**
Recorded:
**7:34**
